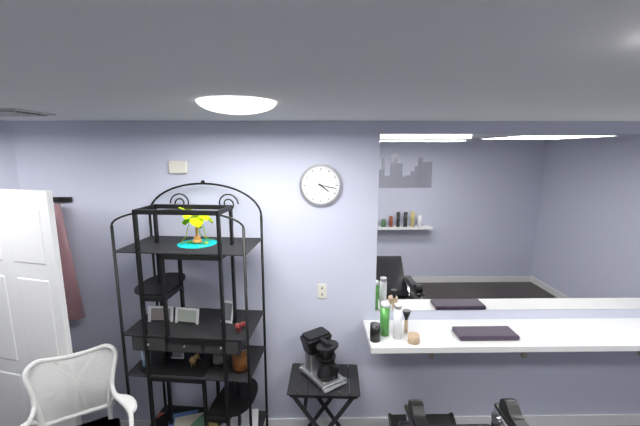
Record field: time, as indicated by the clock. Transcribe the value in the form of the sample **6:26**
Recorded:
**4:17**
